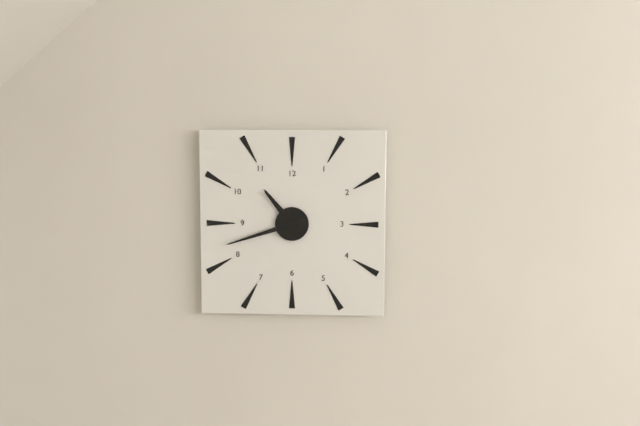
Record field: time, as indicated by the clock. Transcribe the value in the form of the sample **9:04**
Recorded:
**10:42**
